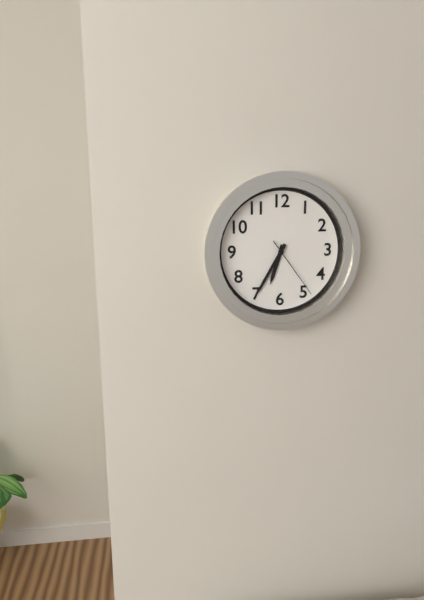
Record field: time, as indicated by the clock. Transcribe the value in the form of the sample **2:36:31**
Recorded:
**6:35:24**
